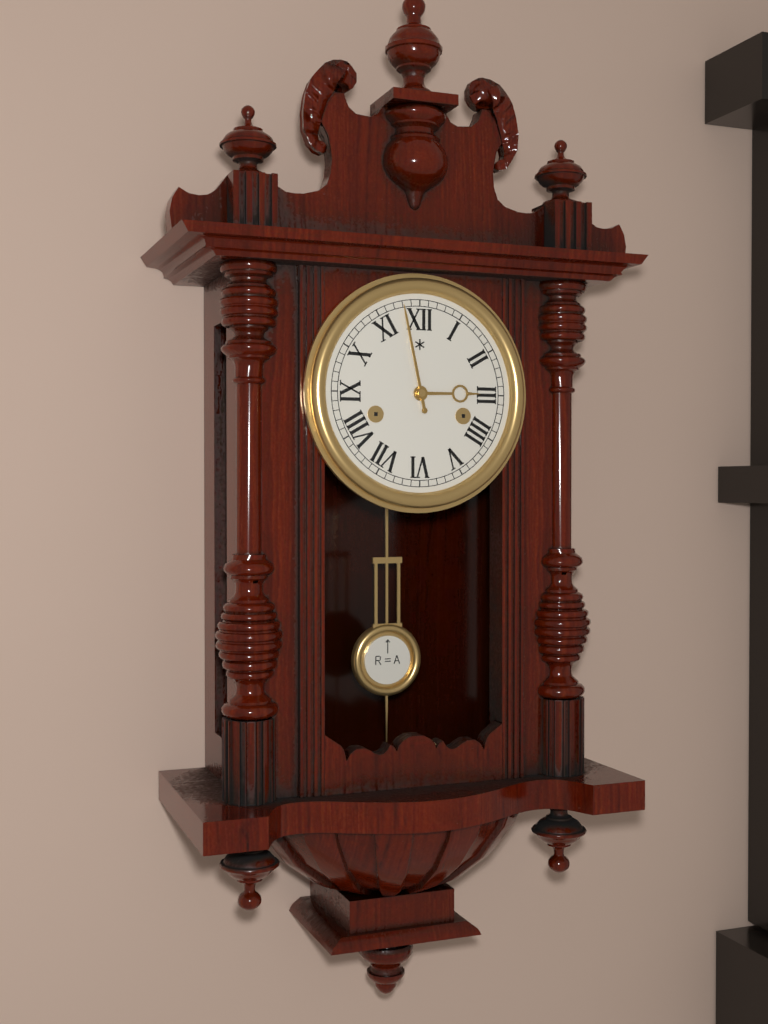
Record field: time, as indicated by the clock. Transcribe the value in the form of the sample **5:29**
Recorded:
**2:58**
